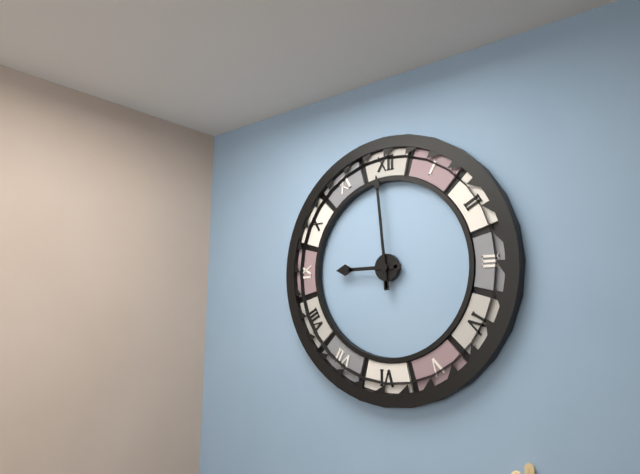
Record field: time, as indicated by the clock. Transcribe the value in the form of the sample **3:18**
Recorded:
**8:59**
